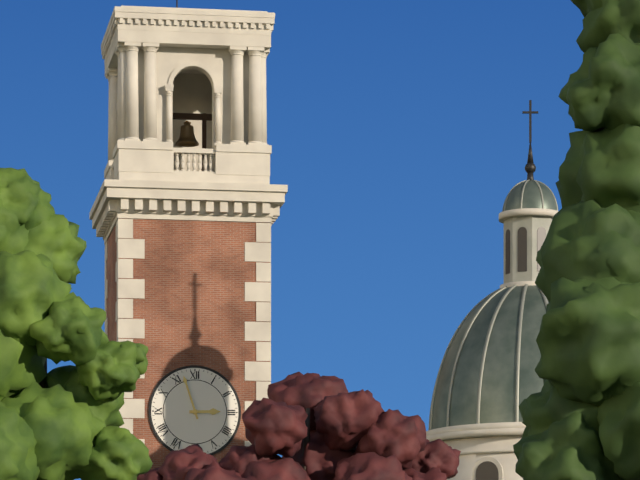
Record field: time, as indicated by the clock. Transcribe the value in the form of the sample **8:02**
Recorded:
**2:57**
